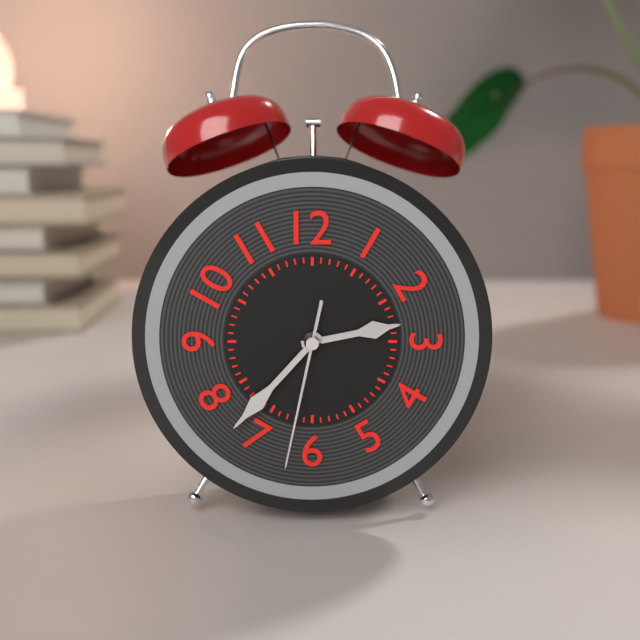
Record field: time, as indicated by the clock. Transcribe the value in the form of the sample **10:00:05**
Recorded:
**2:37:32**
